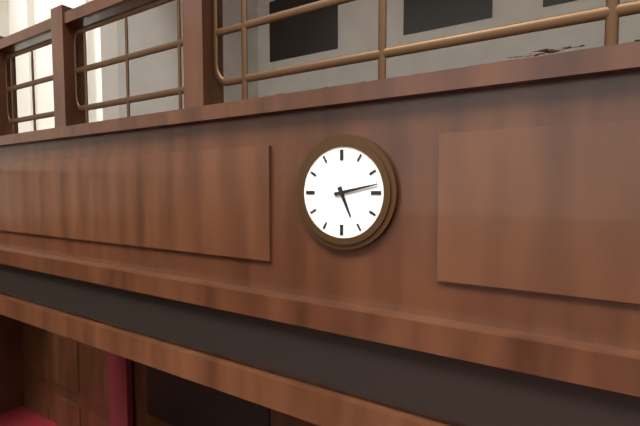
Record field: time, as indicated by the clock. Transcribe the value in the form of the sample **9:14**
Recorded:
**5:13**
